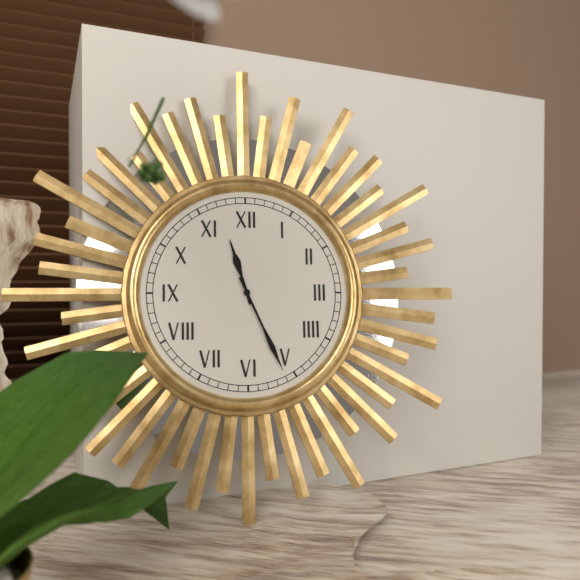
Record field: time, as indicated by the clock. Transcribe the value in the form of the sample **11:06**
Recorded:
**11:26**
